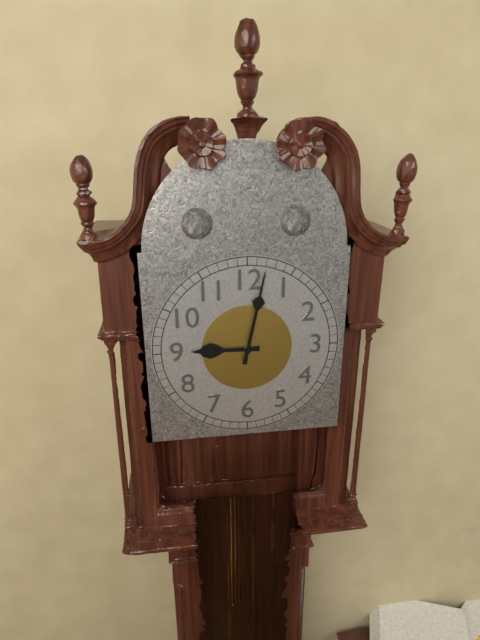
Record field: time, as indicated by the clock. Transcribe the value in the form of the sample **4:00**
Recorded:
**9:02**
